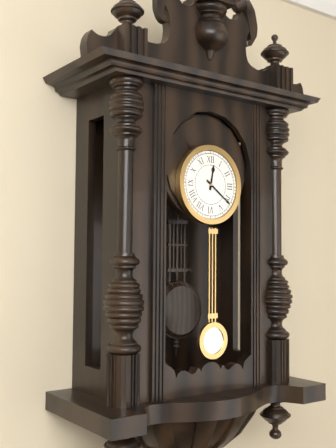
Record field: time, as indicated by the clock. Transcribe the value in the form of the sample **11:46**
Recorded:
**12:21**
